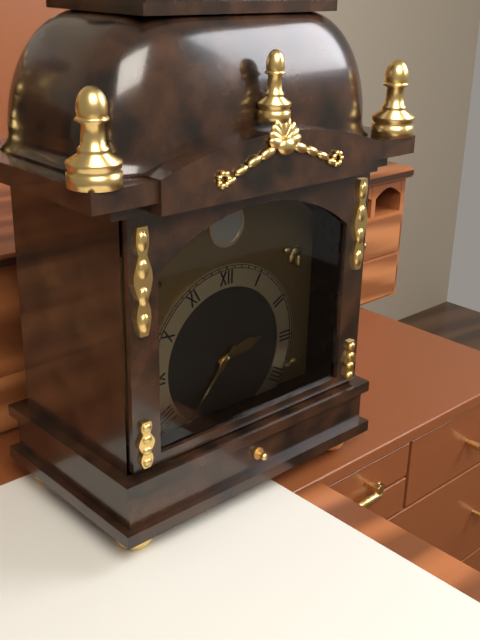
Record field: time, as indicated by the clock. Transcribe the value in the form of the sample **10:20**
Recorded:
**2:37**
